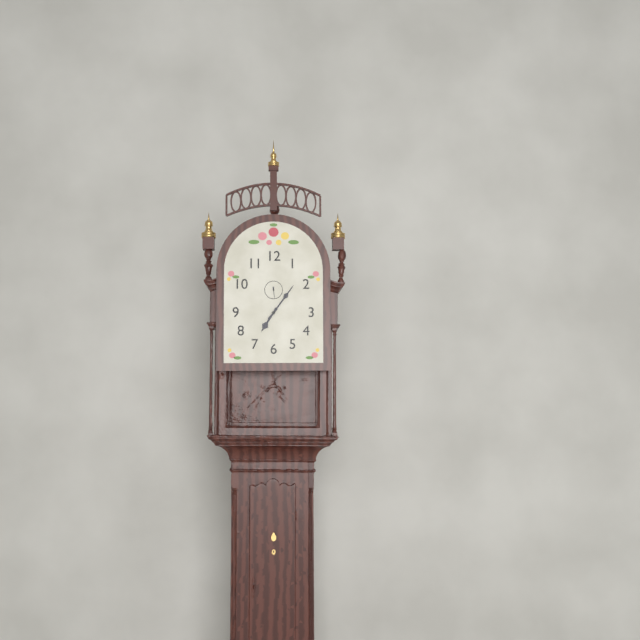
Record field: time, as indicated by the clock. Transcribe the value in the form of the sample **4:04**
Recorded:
**7:06**
